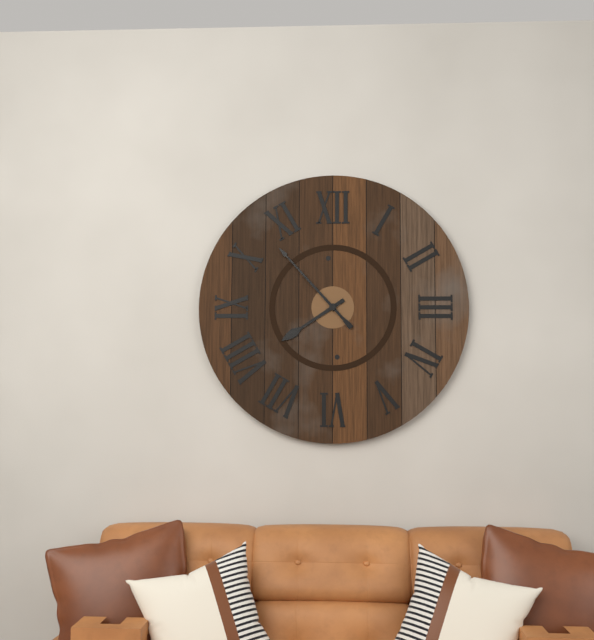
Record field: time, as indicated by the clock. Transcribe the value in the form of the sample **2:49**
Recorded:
**7:53**
